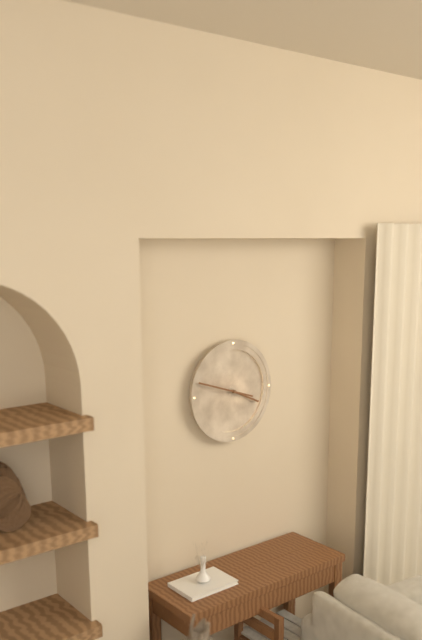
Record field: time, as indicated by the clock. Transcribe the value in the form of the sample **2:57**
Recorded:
**3:48**
